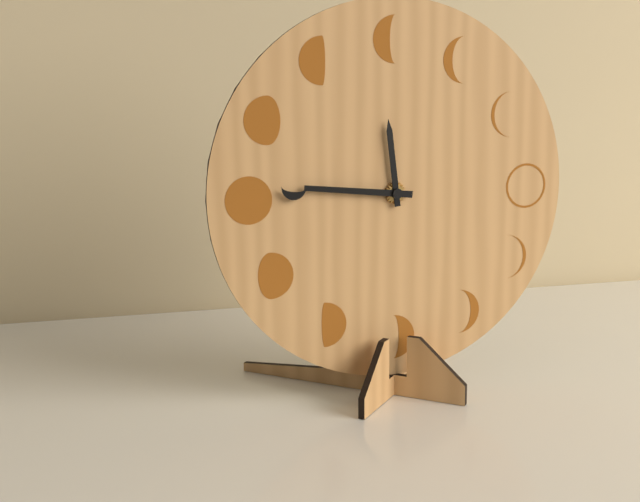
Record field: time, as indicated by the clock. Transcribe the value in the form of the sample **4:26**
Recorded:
**11:46**
